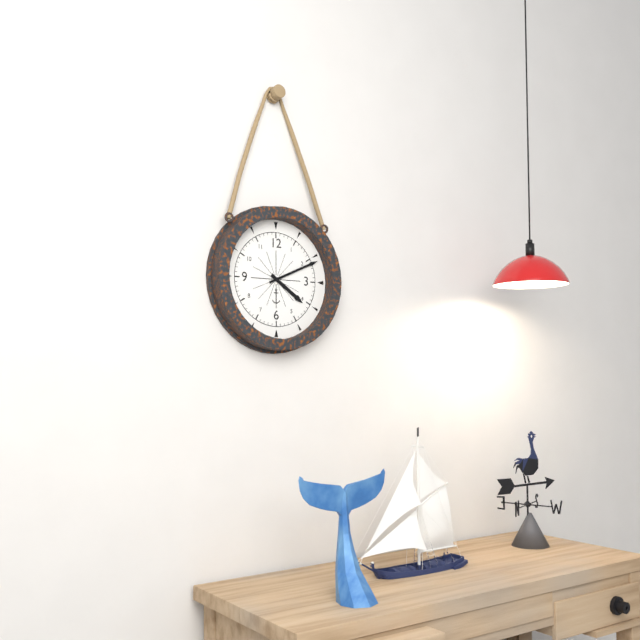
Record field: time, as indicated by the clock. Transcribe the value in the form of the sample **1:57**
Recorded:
**4:11**
